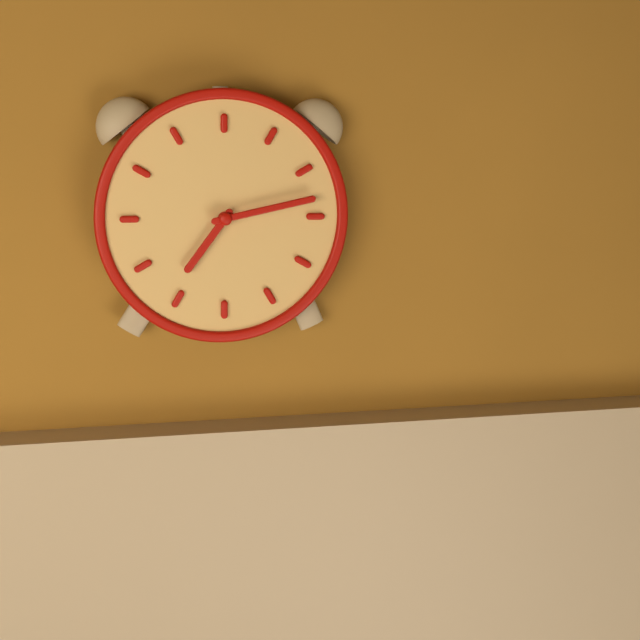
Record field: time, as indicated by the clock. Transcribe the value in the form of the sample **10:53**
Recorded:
**7:13**
